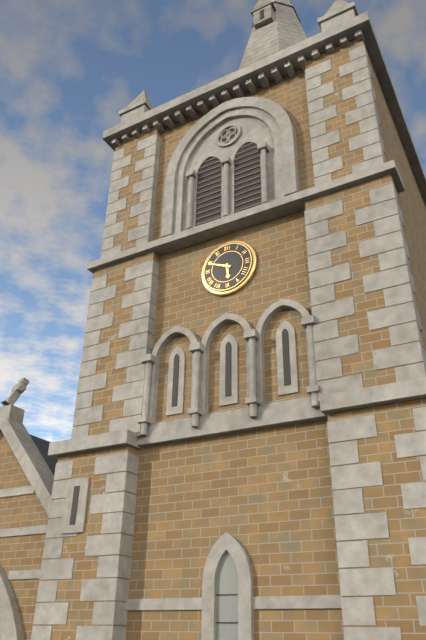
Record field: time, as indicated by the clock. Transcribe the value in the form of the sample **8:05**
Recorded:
**5:49**
